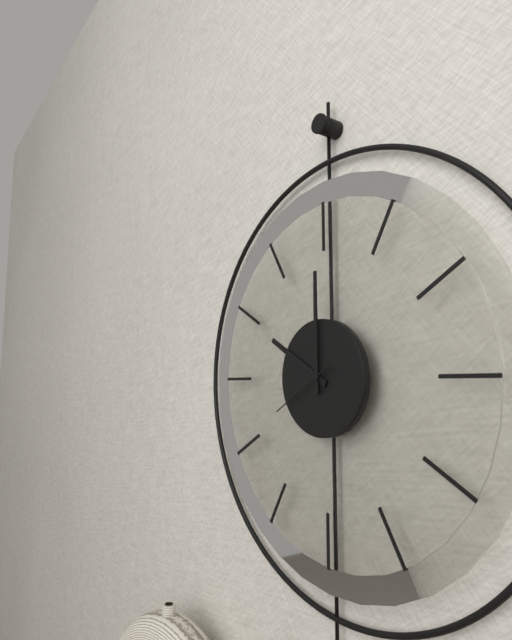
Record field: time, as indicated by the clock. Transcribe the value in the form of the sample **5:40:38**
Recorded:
**10:00:40**
